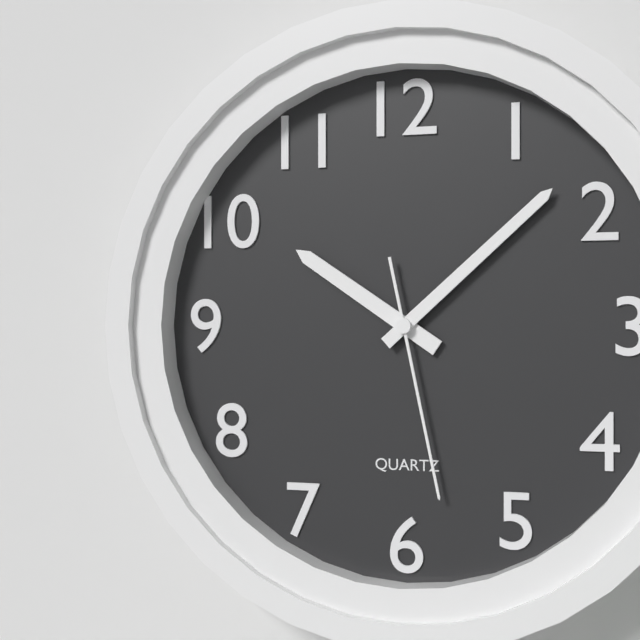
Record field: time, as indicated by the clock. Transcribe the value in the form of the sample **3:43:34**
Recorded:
**10:08:28**
